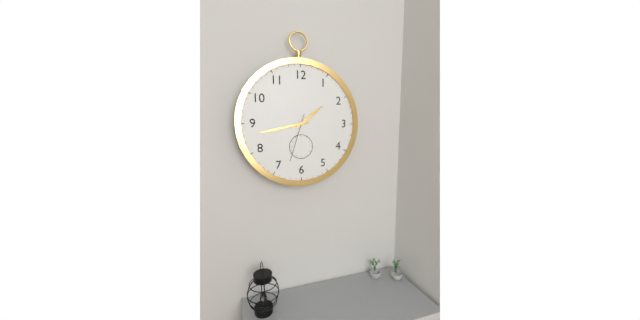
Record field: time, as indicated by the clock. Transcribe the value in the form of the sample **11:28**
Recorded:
**1:43**
